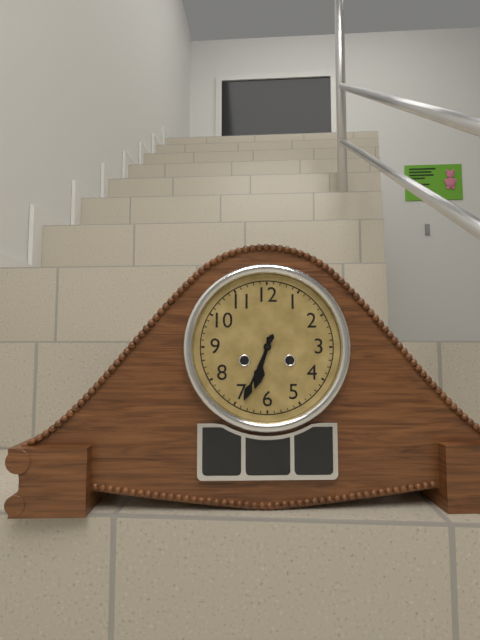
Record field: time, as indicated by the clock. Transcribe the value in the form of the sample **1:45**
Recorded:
**6:34**
